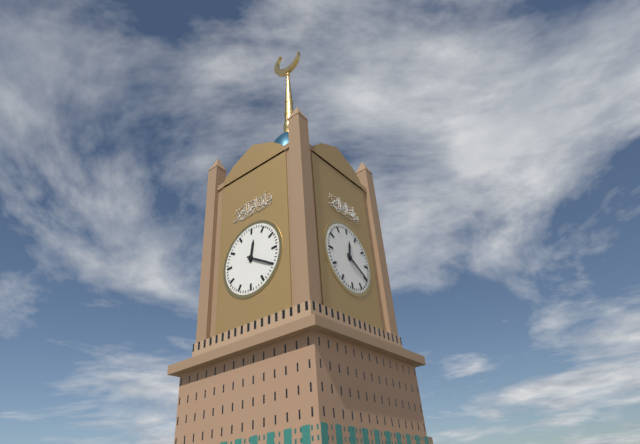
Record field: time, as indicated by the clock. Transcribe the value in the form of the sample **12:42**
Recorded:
**12:20**
